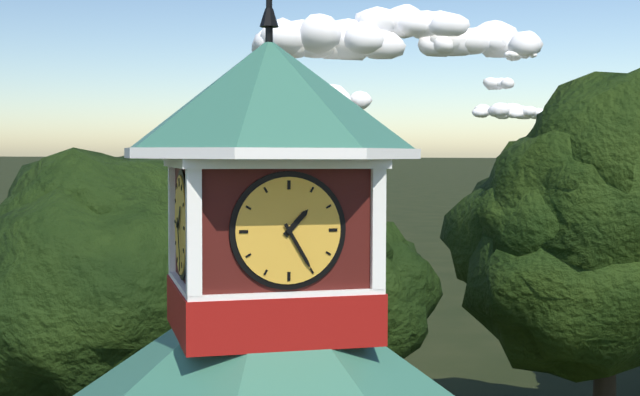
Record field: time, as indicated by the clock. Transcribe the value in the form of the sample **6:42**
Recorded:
**1:25**
